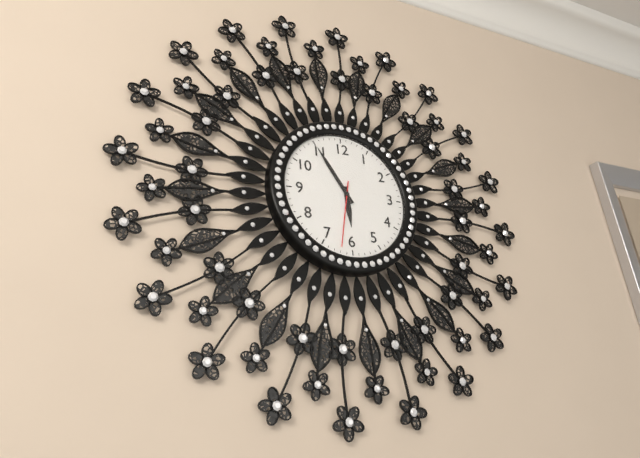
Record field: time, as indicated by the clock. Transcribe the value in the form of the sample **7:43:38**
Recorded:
**5:55:32**
